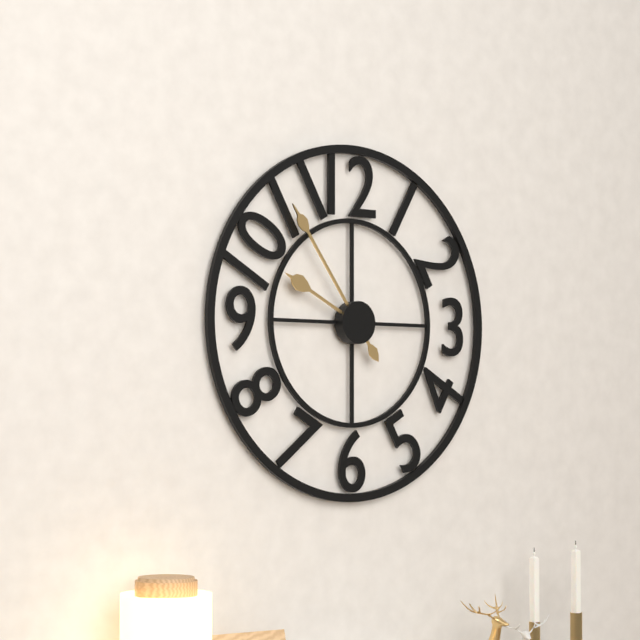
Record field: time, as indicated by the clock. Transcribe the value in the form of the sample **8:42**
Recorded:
**9:54**
